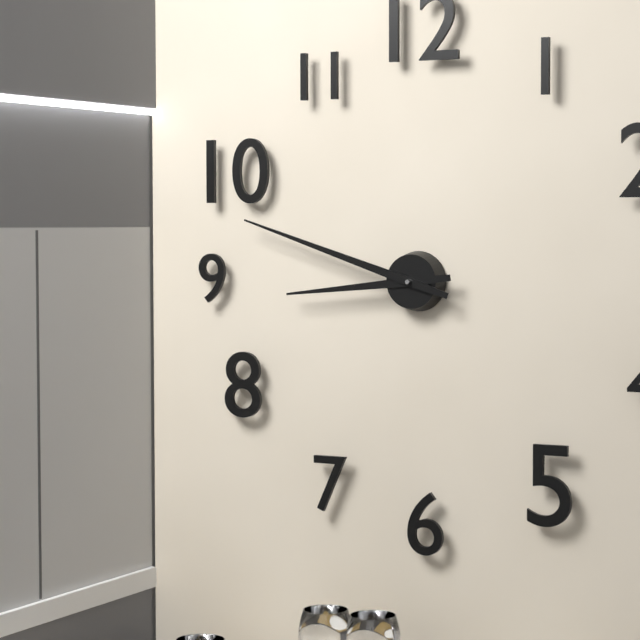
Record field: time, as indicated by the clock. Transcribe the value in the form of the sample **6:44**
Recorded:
**8:48**
